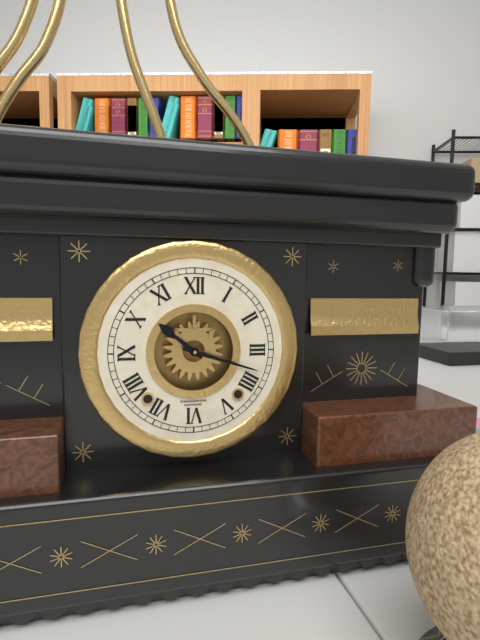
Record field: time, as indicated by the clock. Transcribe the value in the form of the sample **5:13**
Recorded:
**10:18**
